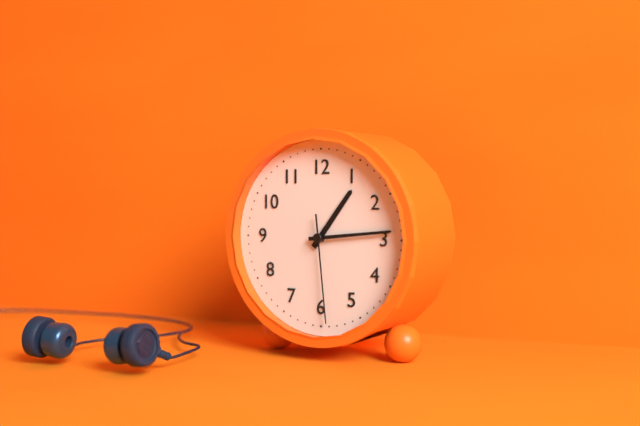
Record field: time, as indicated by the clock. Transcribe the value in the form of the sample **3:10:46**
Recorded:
**1:14:29**
